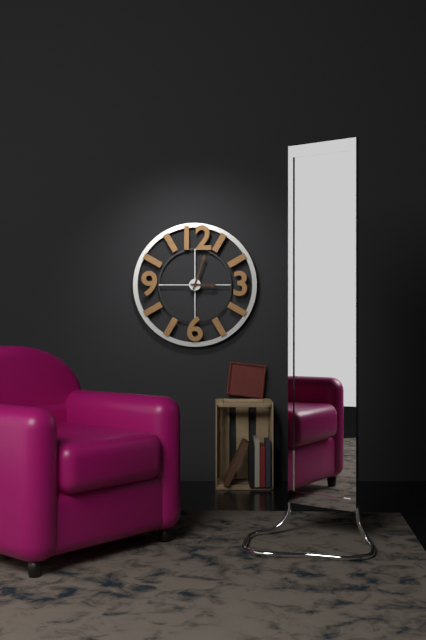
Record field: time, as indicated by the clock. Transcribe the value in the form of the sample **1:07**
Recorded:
**3:03**
